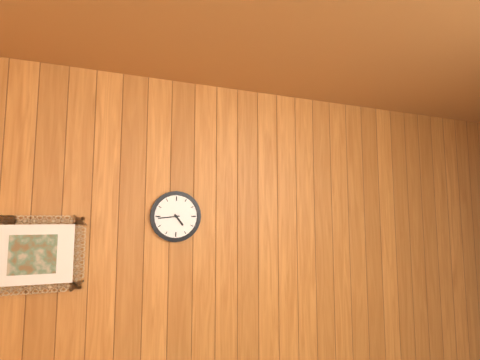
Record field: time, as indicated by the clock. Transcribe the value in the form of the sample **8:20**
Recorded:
**4:44**
